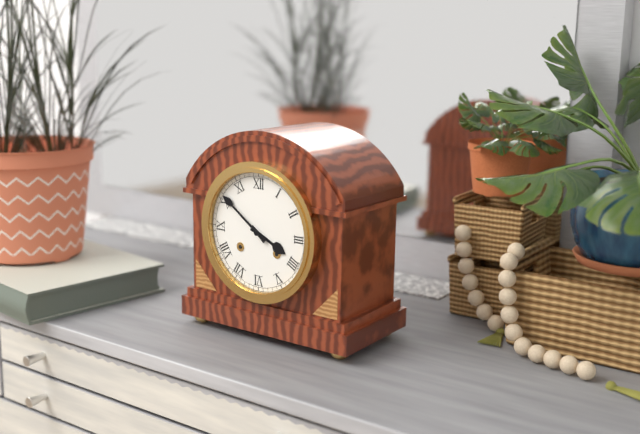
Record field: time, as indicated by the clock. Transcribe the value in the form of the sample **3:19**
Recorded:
**3:51**
